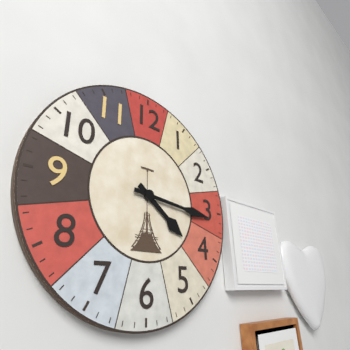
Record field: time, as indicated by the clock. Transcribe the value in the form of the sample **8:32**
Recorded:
**4:16**
